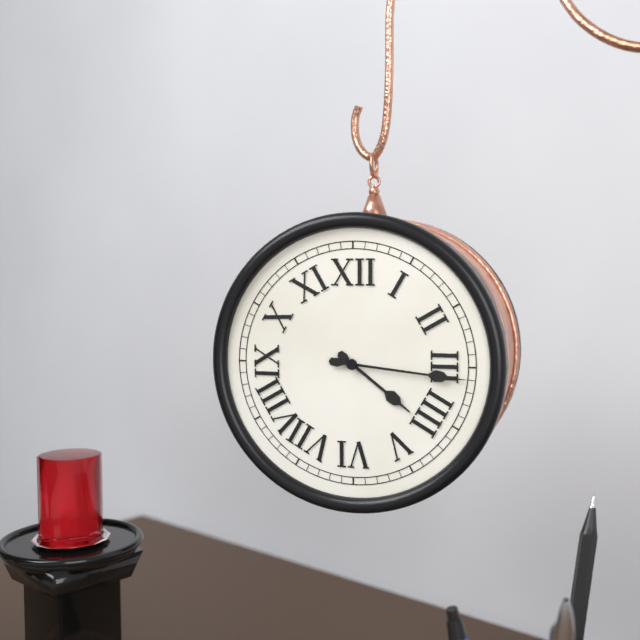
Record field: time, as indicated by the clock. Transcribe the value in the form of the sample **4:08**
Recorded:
**4:16**
